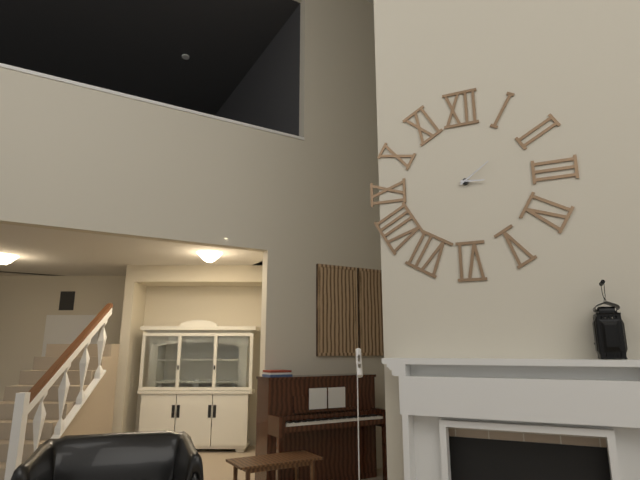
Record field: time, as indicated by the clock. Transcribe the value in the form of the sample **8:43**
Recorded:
**3:09**
